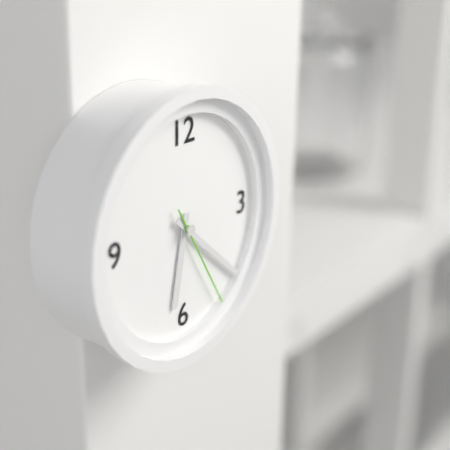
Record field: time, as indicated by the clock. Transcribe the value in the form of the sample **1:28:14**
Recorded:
**6:22:25**
